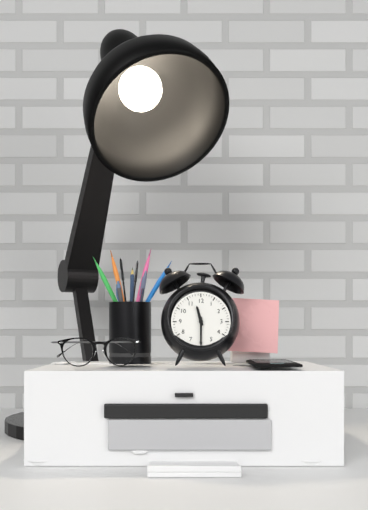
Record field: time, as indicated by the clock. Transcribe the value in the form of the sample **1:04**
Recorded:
**11:30**
